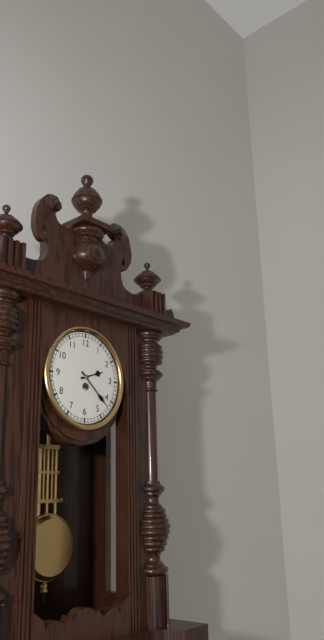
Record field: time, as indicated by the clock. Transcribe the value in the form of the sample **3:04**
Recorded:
**2:22**
